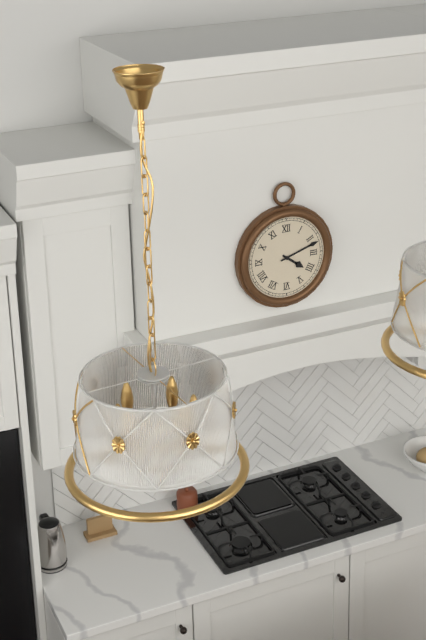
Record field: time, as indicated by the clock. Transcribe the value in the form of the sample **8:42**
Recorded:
**4:12**
